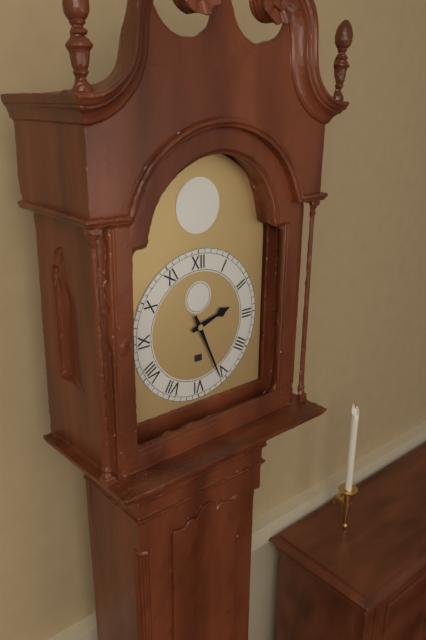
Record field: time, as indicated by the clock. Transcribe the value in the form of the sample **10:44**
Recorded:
**2:26**
